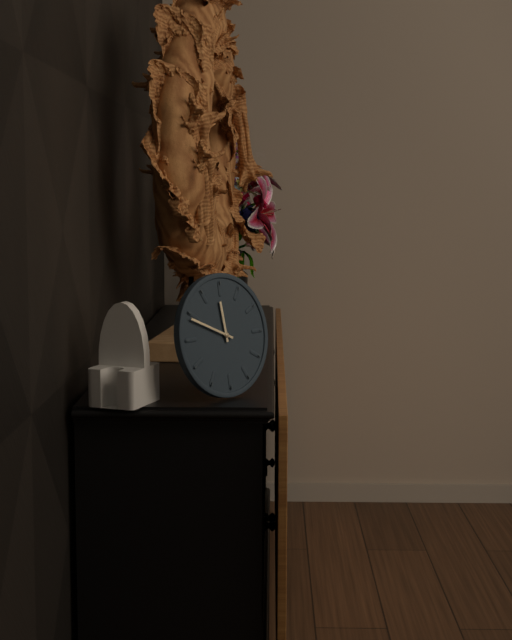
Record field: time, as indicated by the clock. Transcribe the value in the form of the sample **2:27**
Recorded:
**11:49**
